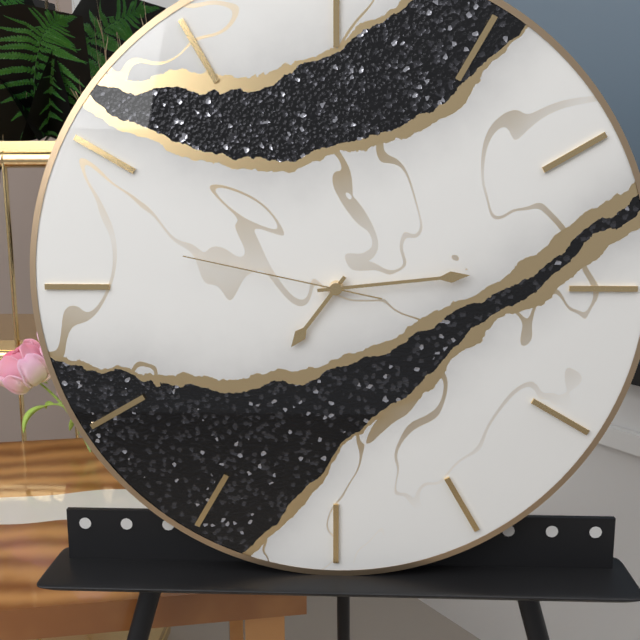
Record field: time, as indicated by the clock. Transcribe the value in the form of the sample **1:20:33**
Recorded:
**7:14:47**
